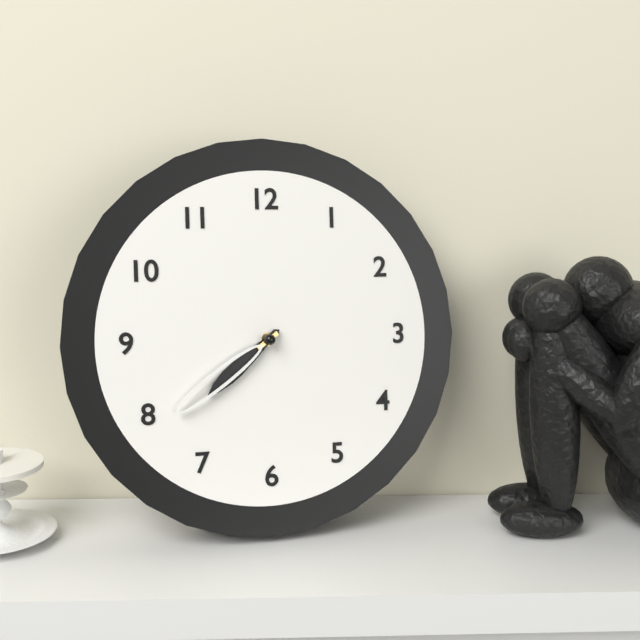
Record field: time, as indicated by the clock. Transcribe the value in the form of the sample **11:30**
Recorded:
**7:39**
